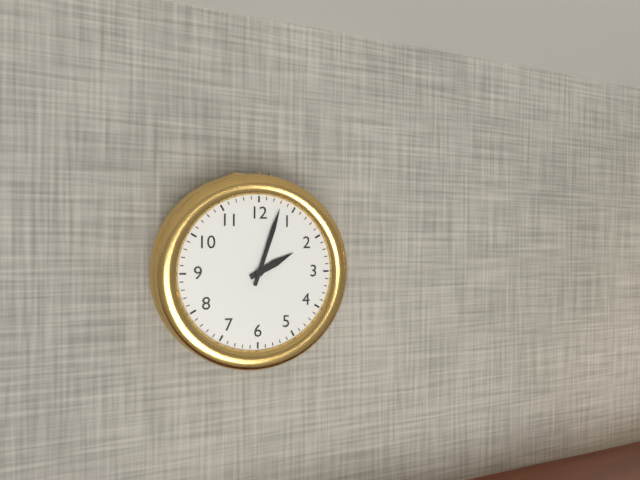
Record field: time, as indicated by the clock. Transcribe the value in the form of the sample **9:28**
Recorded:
**2:03**
